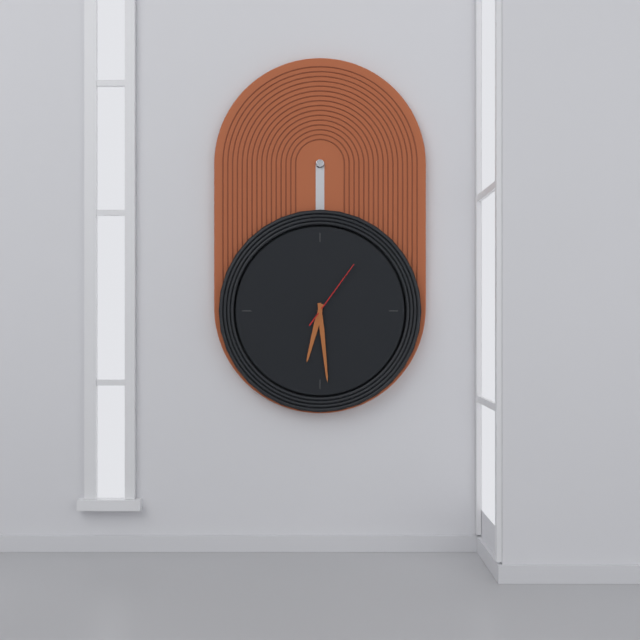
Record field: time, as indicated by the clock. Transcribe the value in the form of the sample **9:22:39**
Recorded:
**6:29:06**
